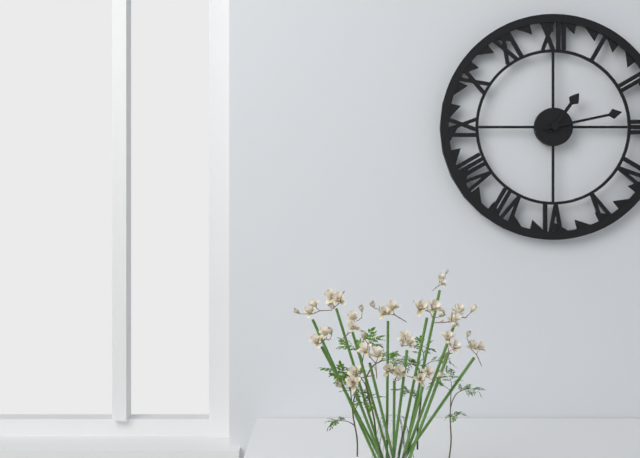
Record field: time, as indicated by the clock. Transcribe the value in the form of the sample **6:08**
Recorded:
**1:13**
